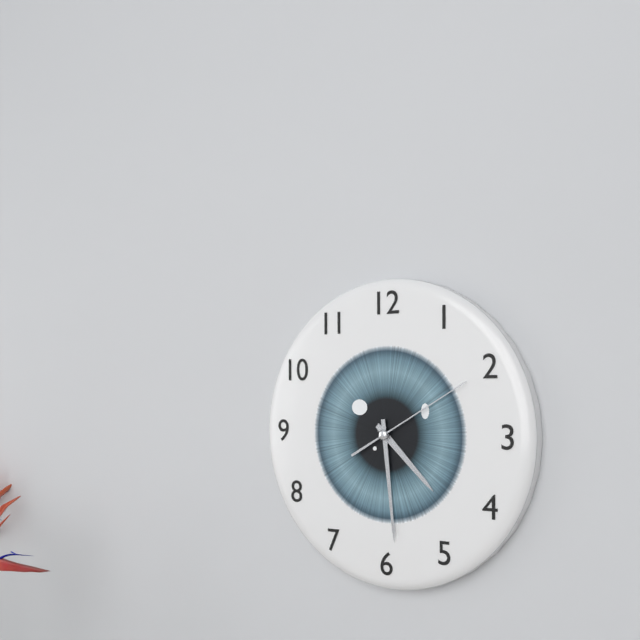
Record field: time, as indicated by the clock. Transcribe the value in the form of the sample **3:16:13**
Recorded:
**4:29:10**
